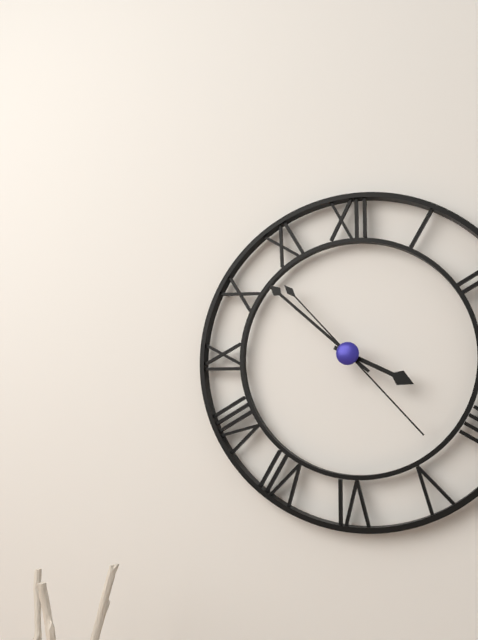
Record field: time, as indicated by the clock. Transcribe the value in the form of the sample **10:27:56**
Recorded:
**3:52:23**
